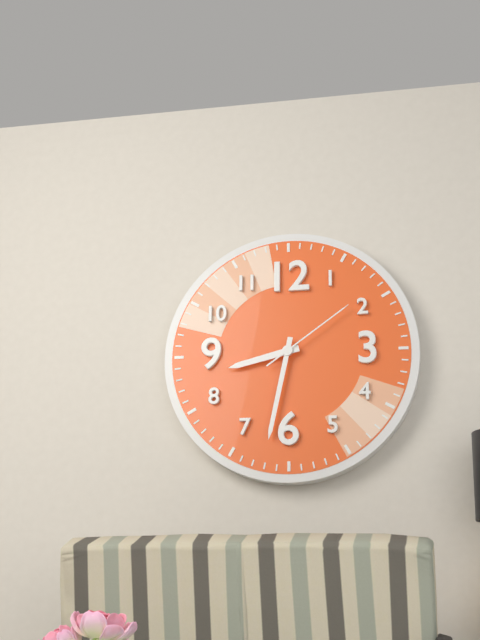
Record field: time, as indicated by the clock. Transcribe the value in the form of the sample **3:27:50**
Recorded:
**8:32:09**
